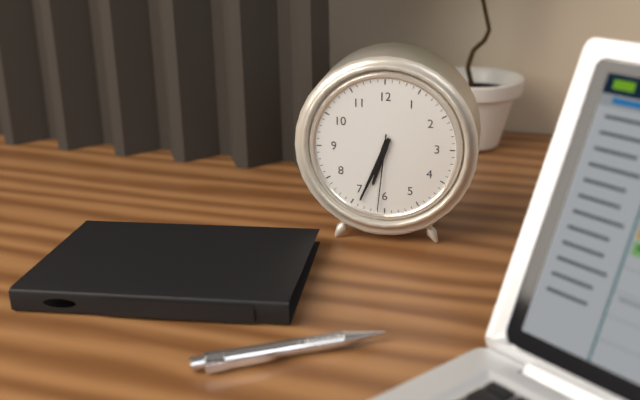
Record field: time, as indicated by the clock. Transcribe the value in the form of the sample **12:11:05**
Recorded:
**6:34:31**
